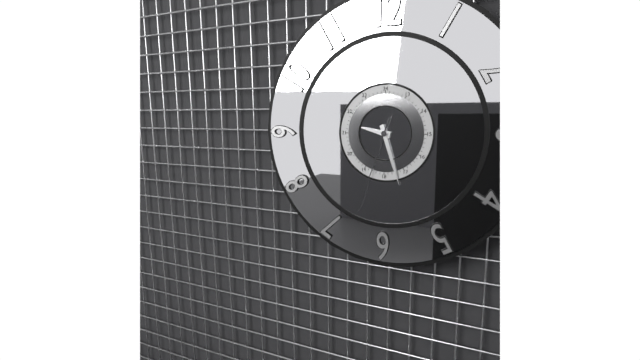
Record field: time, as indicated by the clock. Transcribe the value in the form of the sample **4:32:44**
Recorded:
**9:27:33**
